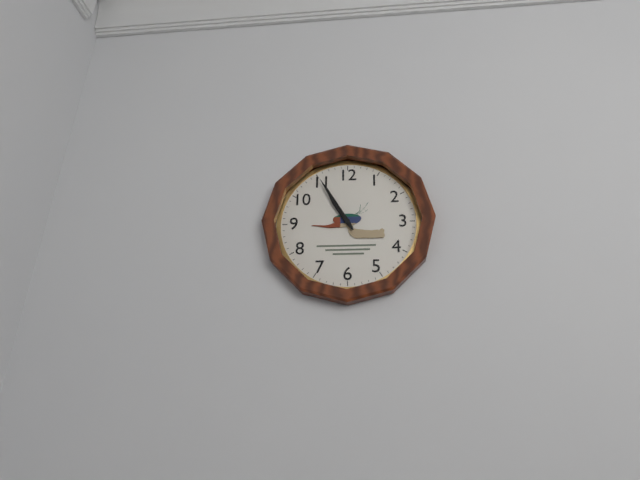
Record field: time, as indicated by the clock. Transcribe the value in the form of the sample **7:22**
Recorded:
**10:55**
